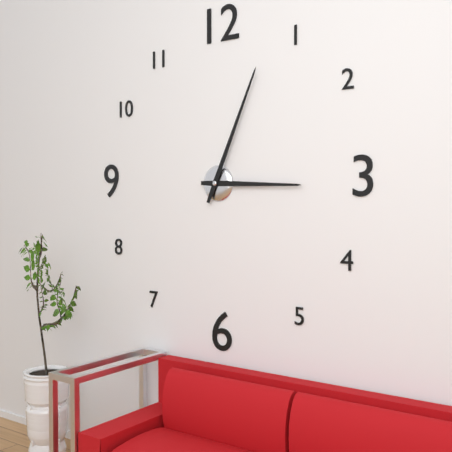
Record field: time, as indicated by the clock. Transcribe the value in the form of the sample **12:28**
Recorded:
**3:04**
